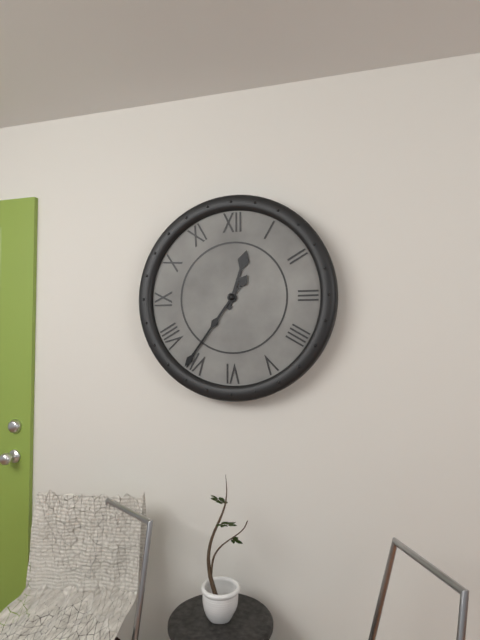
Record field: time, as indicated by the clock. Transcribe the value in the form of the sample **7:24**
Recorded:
**12:36**
